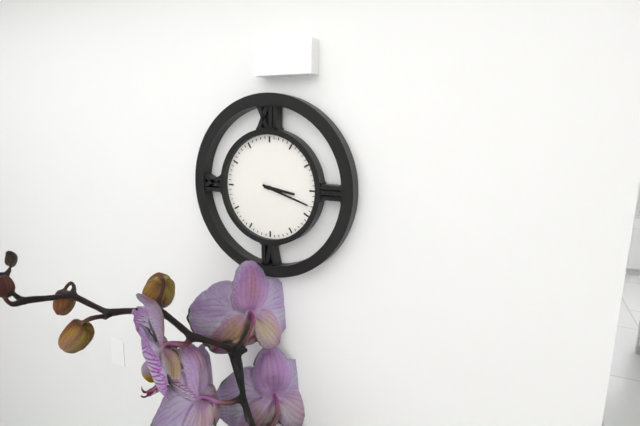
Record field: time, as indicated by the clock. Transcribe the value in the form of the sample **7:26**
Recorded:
**3:18**
